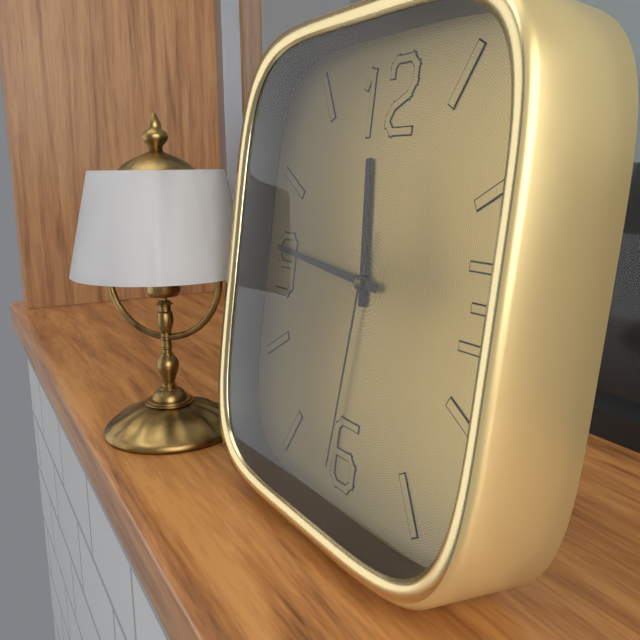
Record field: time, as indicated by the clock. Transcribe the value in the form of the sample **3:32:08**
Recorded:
**11:46:31**
